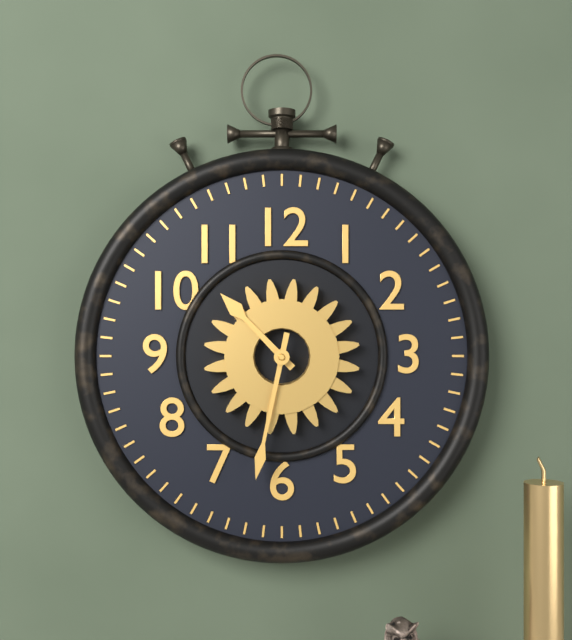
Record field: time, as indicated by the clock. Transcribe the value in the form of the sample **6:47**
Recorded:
**10:32**
